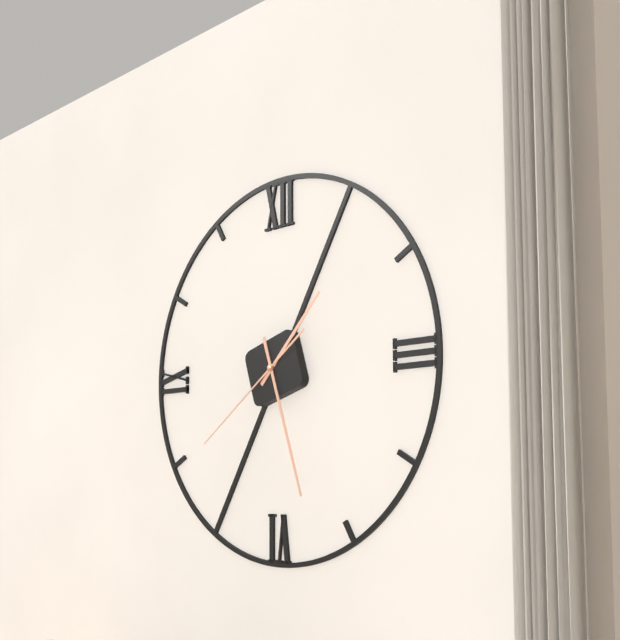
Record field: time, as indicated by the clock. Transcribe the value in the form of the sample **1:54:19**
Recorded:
**1:27:39**
